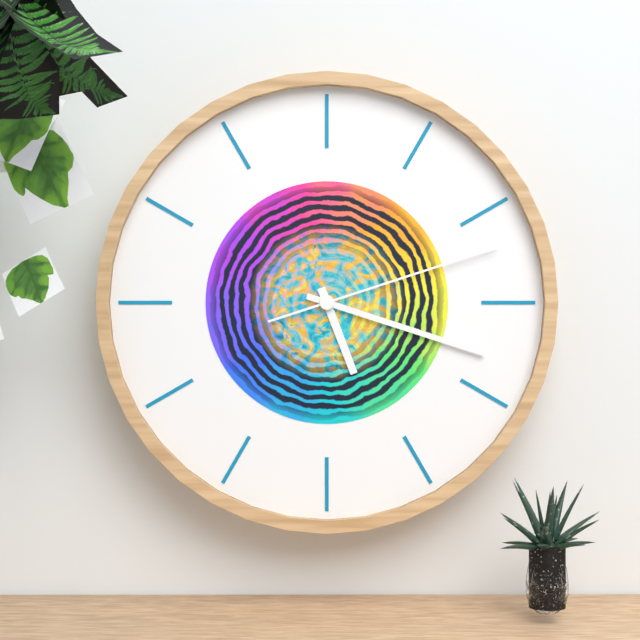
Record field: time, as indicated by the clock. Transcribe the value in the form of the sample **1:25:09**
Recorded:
**5:18:12**
